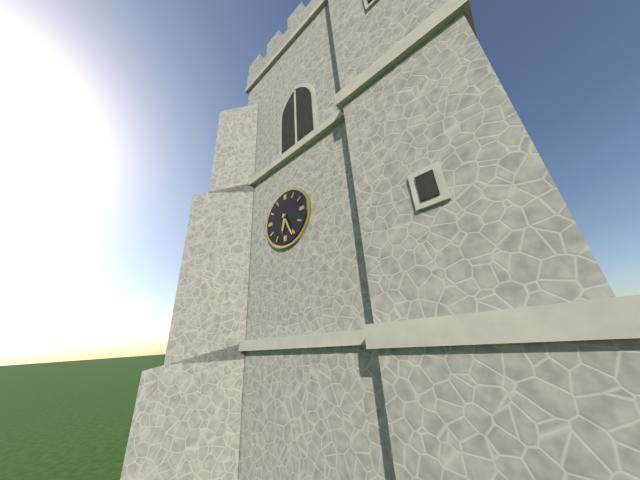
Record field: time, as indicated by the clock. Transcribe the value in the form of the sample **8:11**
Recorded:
**6:26**
